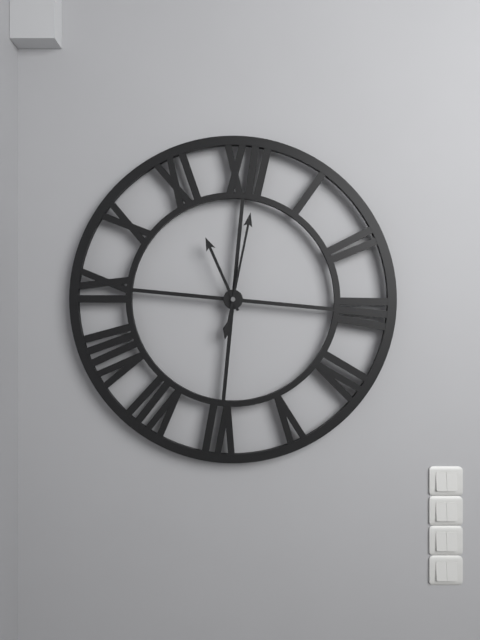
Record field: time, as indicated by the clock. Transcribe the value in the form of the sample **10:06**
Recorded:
**11:01**
